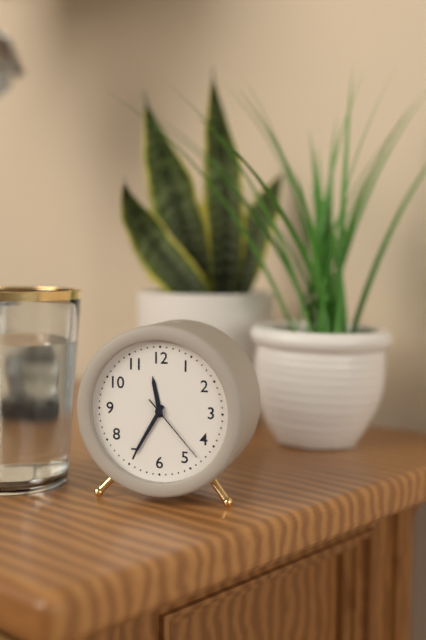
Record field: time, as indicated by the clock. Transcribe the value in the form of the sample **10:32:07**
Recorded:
**11:35:23**
